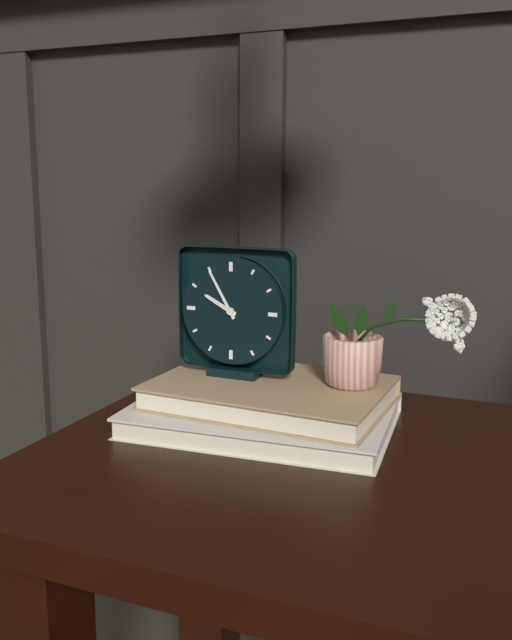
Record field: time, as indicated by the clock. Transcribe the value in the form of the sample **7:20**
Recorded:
**9:55**
